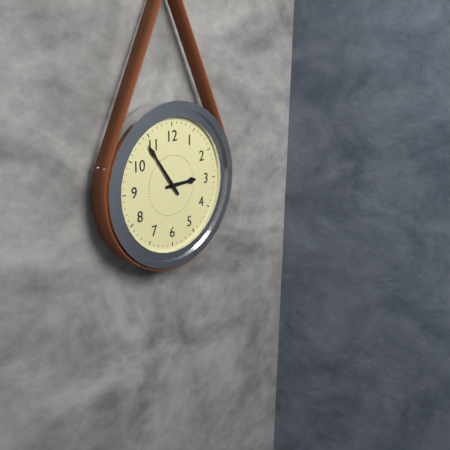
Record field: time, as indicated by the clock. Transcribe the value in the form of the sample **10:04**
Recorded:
**2:54**
